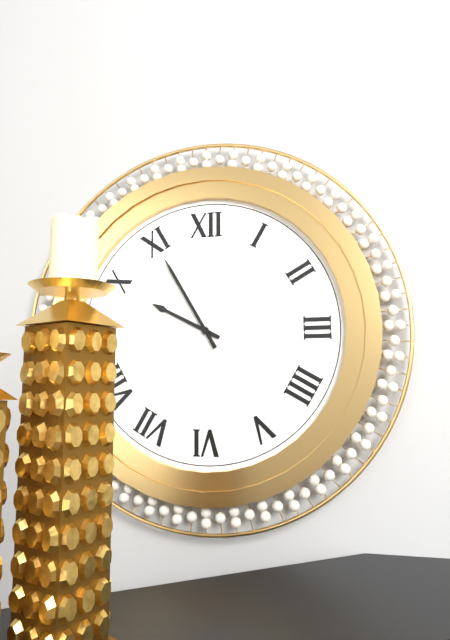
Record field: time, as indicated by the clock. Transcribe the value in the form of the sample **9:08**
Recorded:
**9:55**
